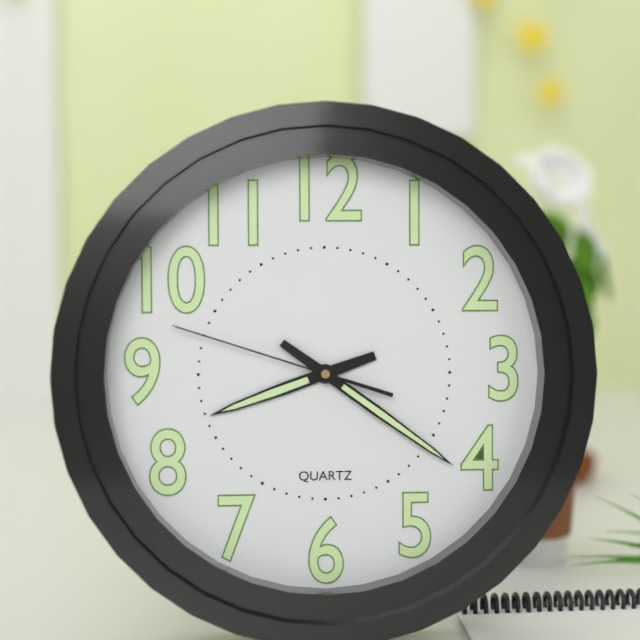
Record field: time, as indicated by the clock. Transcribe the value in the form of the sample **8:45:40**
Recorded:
**8:21:48**
